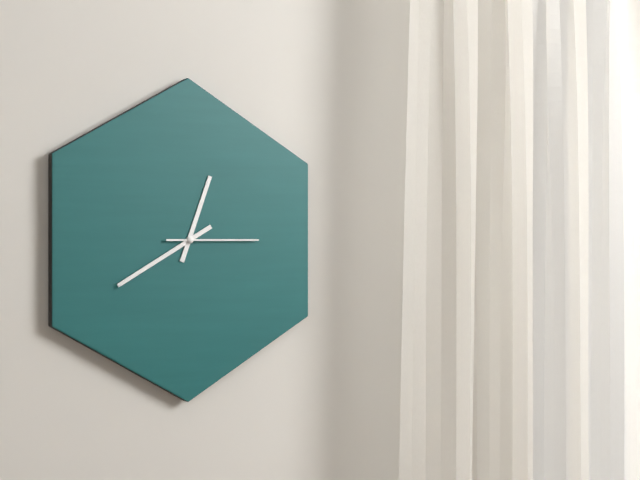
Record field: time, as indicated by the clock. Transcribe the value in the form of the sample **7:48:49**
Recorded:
**12:40:15**
